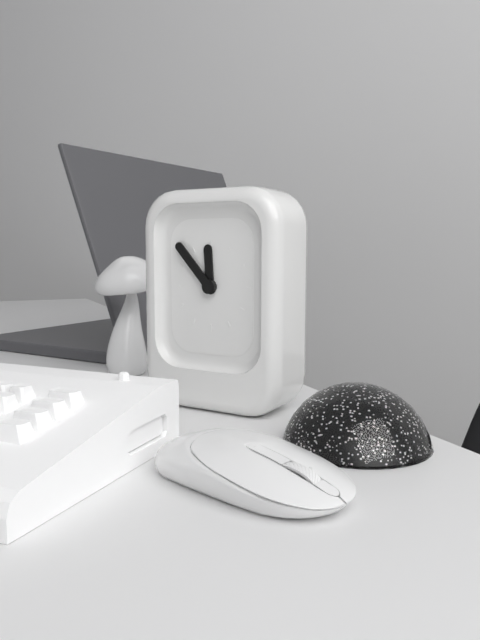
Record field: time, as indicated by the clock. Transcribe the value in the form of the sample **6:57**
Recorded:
**11:53**
